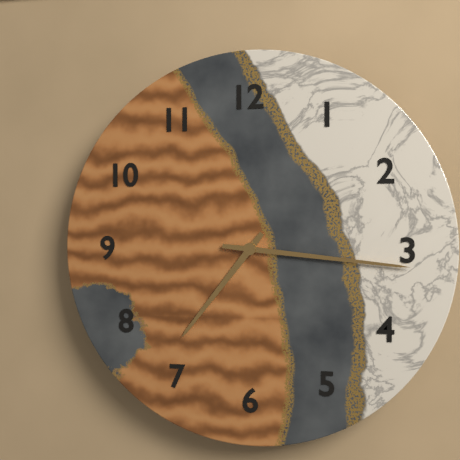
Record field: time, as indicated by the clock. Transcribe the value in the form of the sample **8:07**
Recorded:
**7:16**
